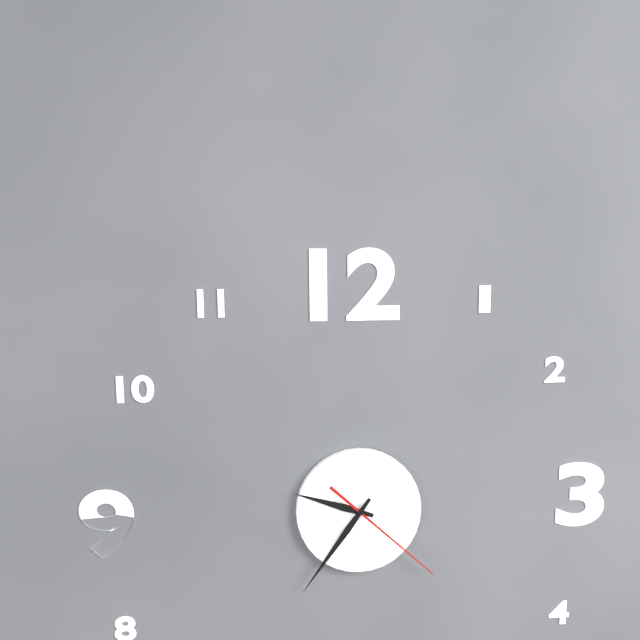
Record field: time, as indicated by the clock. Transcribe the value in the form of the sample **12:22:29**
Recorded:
**9:36:22**
